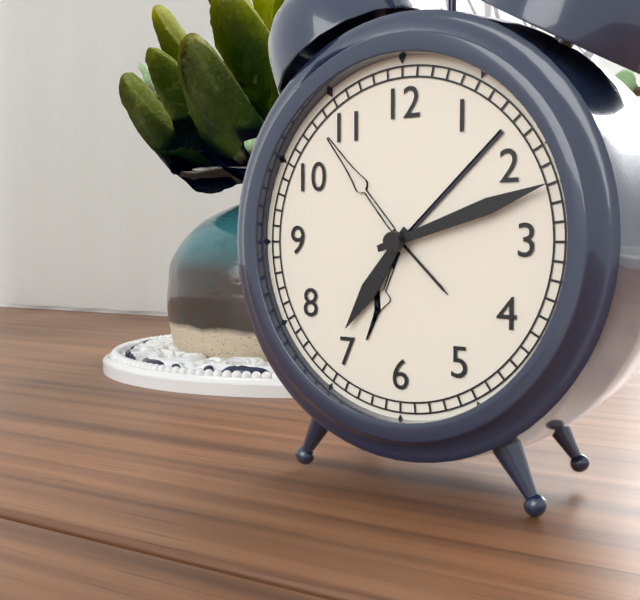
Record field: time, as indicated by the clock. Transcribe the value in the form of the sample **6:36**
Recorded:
**7:12**
